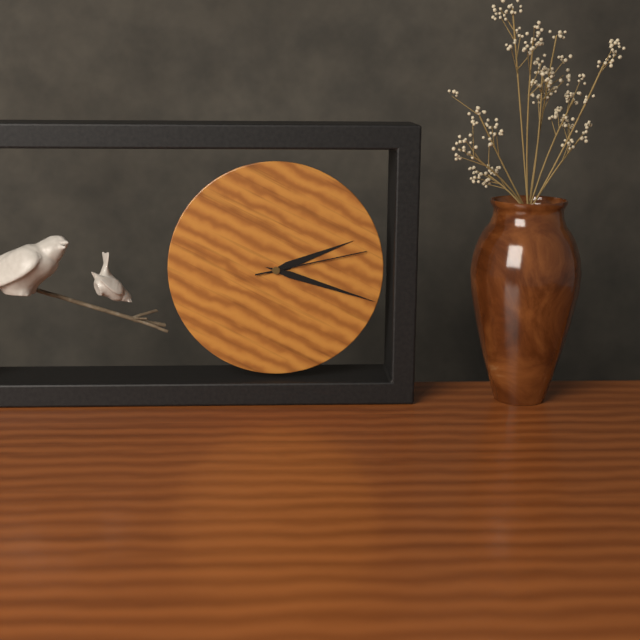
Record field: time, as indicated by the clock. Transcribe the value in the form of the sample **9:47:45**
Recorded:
**2:18:13**
